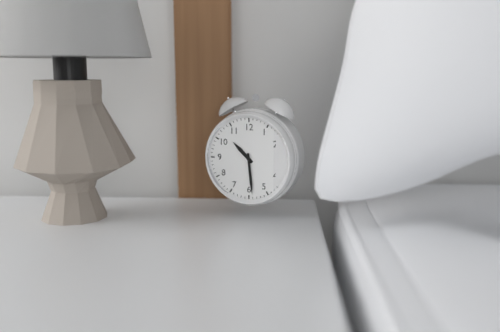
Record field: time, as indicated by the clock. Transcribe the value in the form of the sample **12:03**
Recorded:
**10:29**
